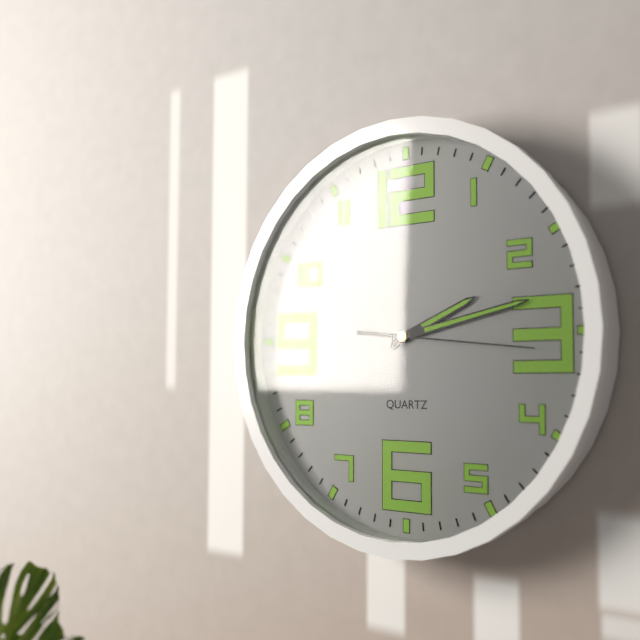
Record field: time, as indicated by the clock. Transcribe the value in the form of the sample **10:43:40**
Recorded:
**2:13:16**
